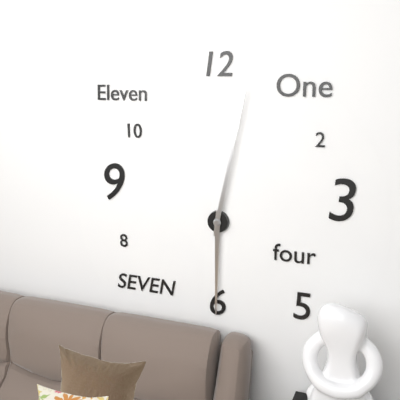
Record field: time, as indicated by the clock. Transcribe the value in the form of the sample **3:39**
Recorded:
**6:02**
